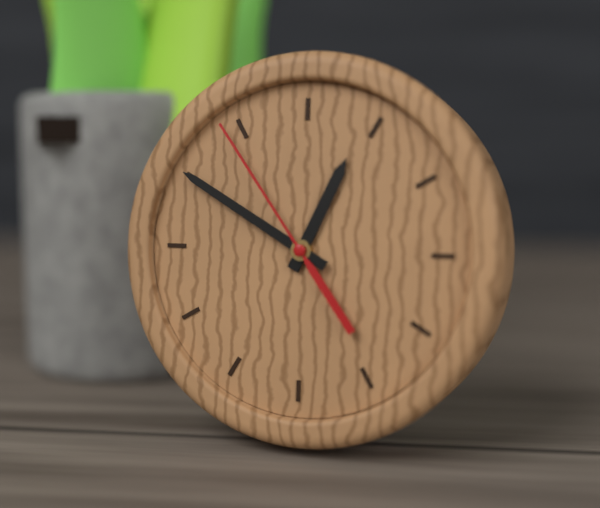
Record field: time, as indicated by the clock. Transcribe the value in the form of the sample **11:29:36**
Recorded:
**12:50:54**
